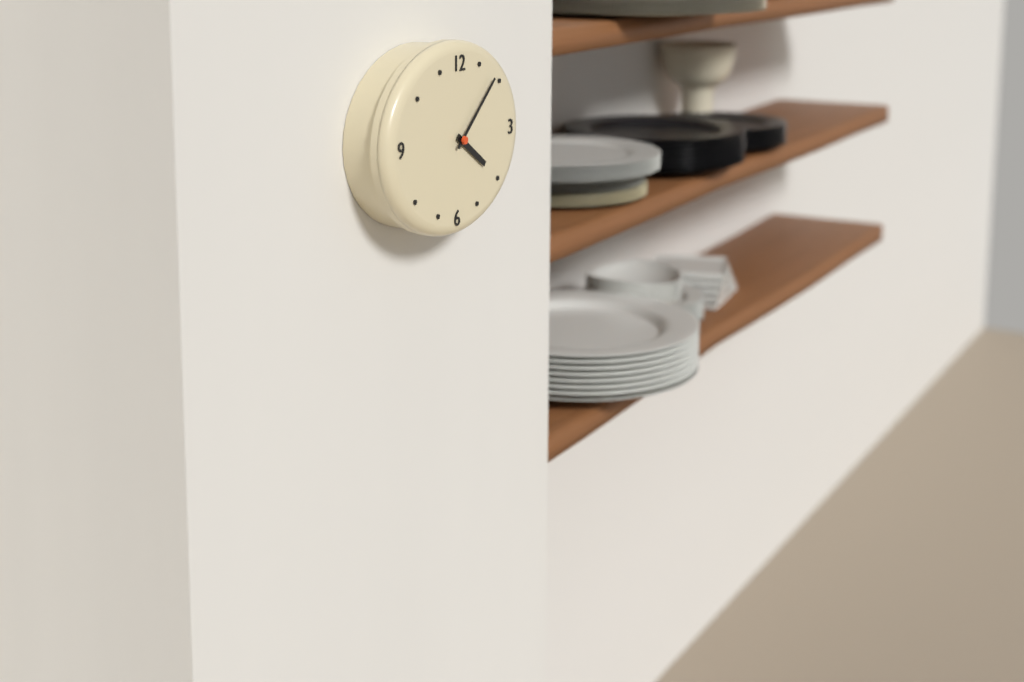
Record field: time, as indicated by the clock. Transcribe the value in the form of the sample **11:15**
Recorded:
**4:08**
